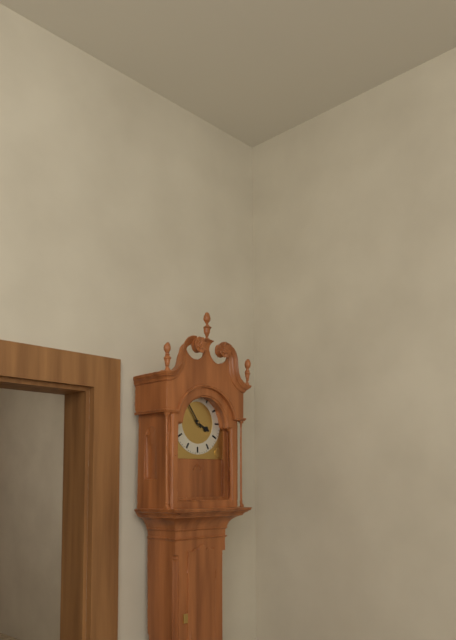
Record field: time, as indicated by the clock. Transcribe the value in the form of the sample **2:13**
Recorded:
**3:54**
